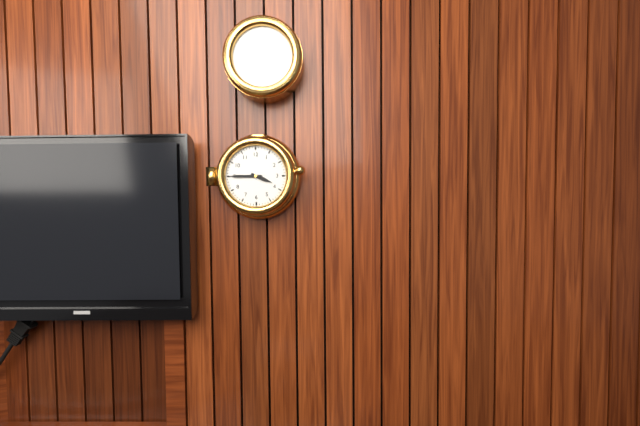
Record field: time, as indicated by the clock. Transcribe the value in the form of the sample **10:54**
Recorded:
**3:45**
